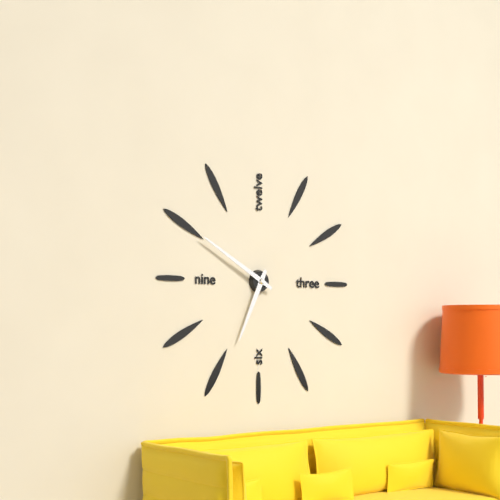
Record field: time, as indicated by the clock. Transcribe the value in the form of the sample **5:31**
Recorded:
**6:50**
